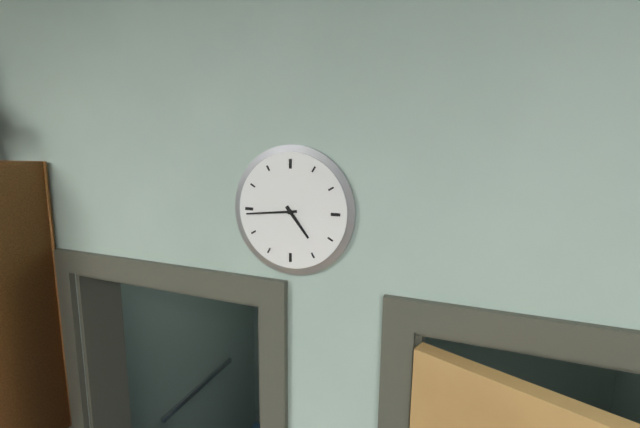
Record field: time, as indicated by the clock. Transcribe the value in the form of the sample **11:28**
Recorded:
**4:44**
